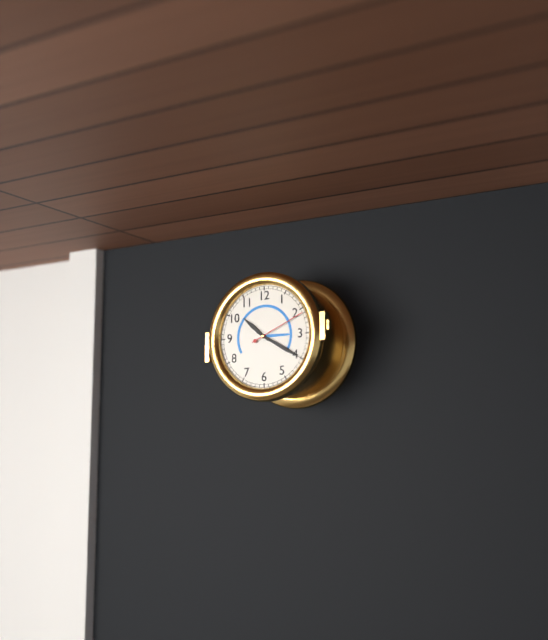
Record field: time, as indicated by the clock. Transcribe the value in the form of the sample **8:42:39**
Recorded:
**10:20:11**
